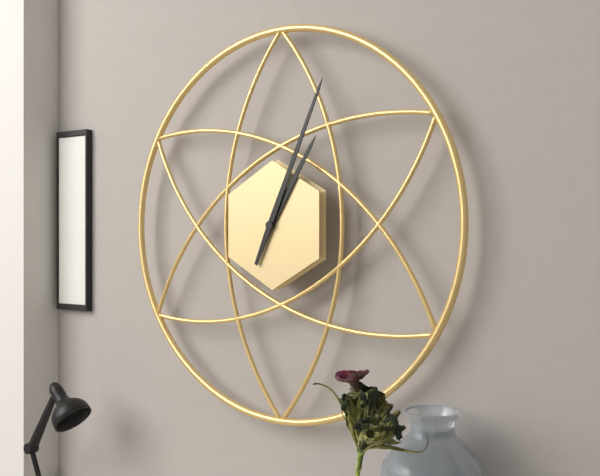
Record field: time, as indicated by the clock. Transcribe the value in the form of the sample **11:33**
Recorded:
**1:04**
